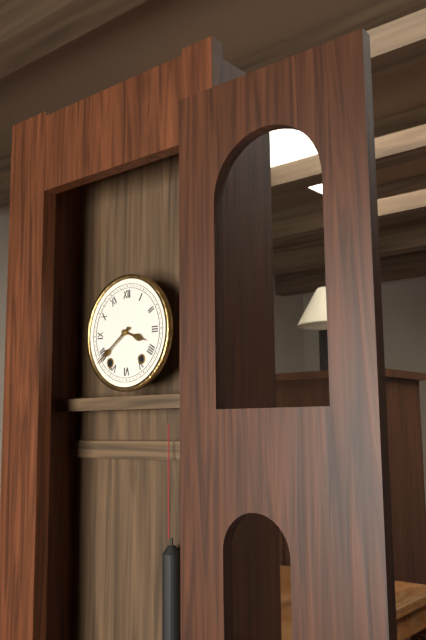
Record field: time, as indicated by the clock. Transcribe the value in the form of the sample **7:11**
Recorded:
**3:39**
